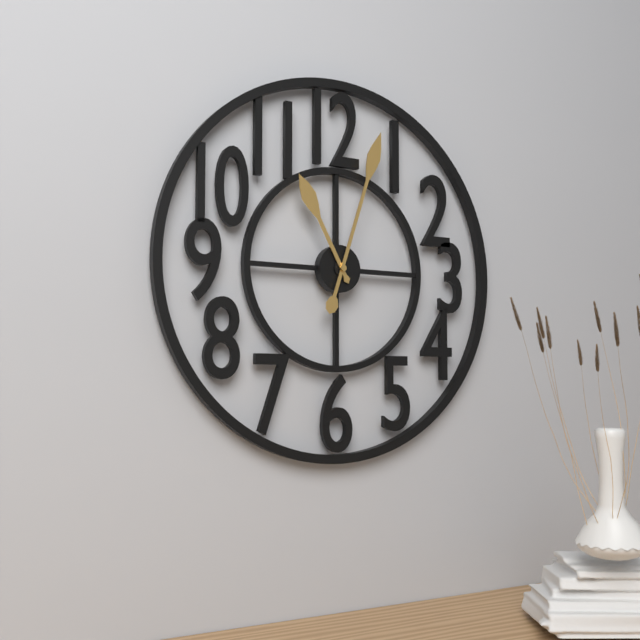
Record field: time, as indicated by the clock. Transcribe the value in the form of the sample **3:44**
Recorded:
**11:03**
